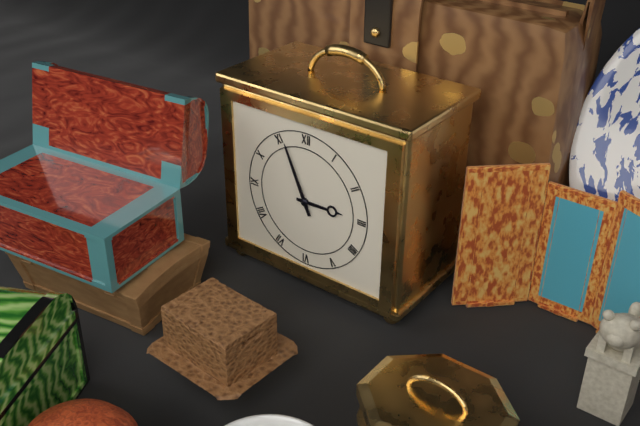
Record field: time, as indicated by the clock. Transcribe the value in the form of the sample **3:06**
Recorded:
**2:56**
